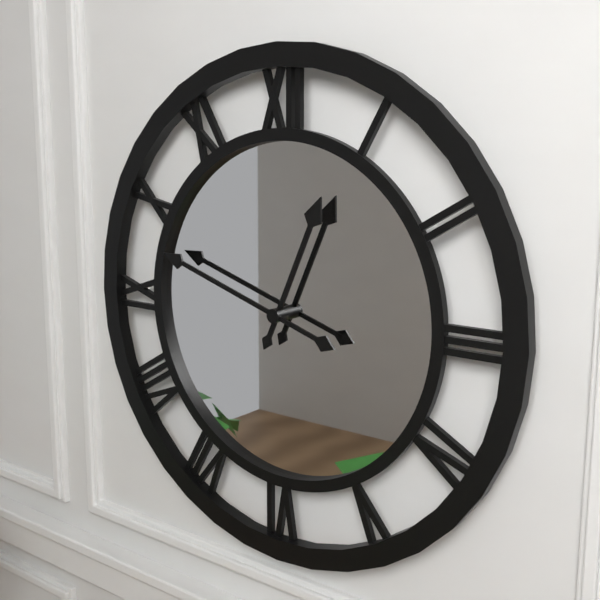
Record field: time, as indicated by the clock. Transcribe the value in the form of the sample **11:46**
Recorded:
**12:48**
